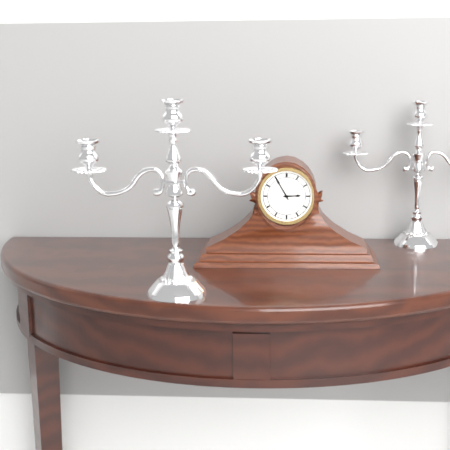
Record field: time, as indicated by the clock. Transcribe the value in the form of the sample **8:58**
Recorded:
**2:55**
